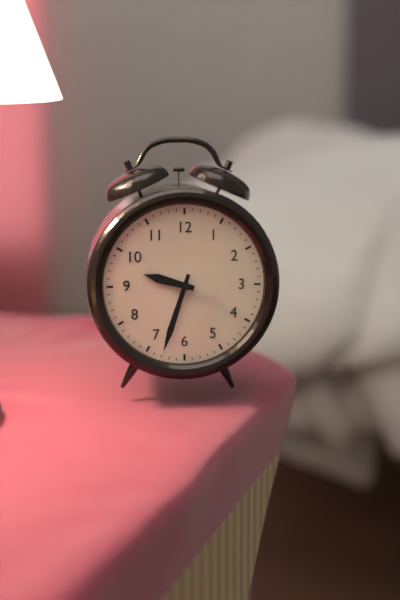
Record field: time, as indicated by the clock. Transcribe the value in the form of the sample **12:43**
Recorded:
**9:33**
